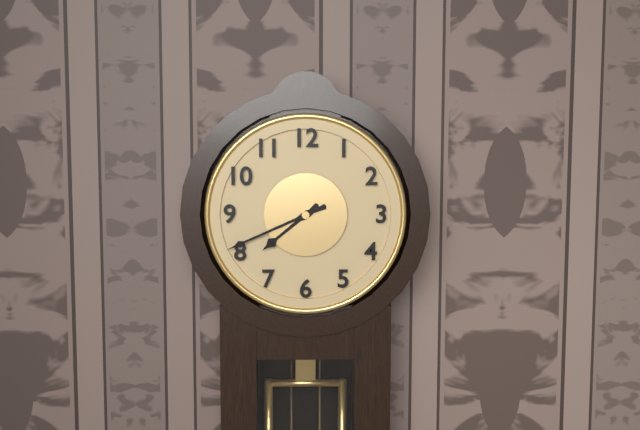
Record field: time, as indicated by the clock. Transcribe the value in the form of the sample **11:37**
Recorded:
**7:41**
